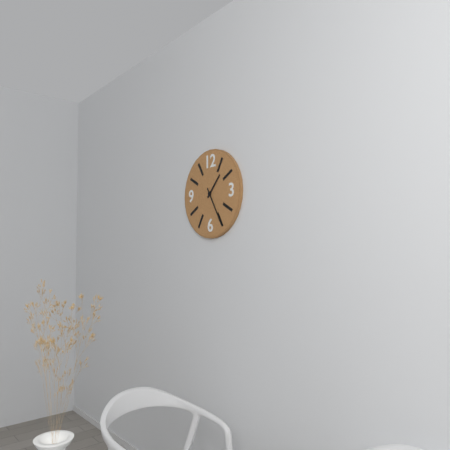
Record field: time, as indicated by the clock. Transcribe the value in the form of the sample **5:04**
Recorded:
**1:25**
